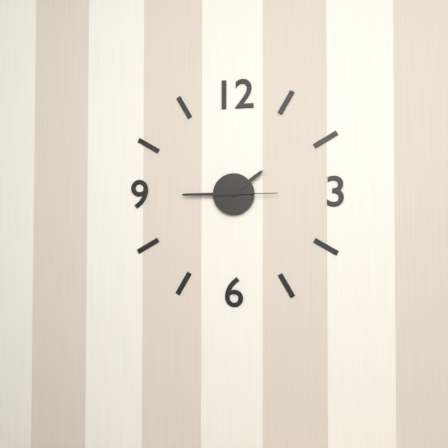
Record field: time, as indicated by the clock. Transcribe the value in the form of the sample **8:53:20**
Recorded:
**1:45:15**
